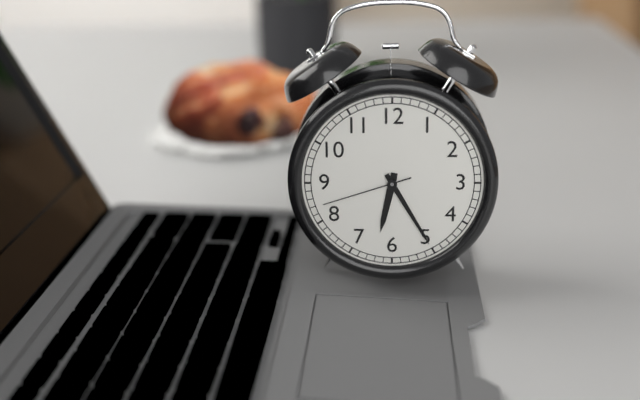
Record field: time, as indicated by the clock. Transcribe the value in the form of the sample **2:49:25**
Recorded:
**6:25:42**
